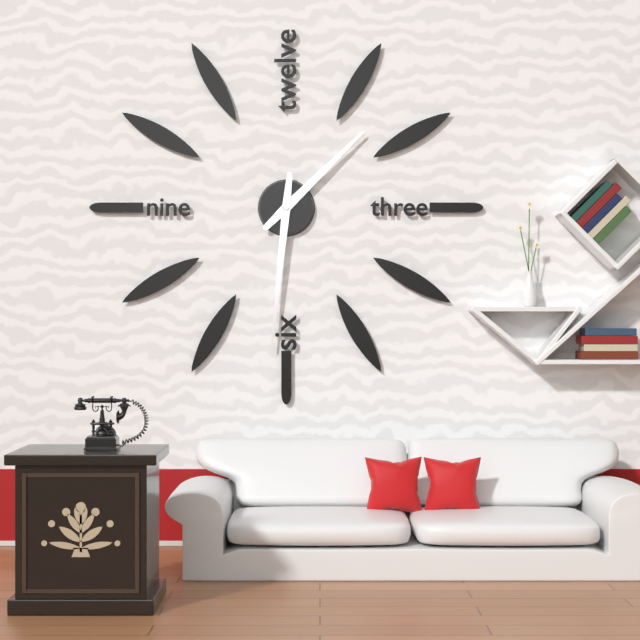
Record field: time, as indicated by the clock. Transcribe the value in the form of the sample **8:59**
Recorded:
**1:31**
